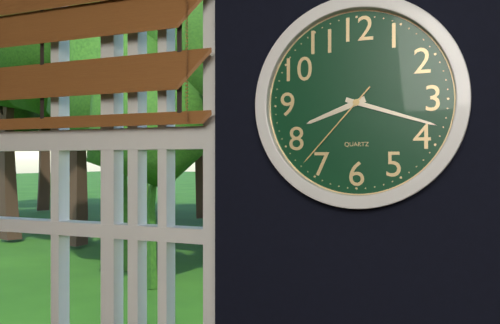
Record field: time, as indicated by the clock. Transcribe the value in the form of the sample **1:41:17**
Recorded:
**8:18:37**
